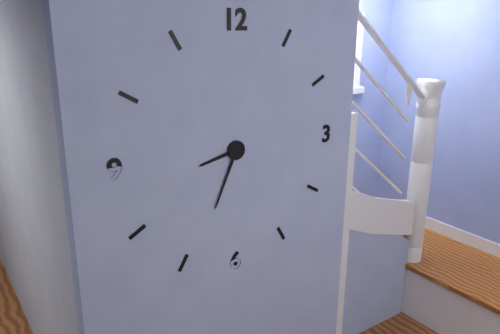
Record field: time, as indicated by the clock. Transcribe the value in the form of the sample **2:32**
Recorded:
**8:34**
